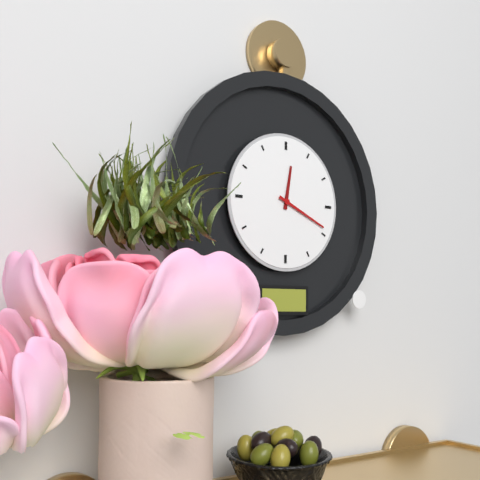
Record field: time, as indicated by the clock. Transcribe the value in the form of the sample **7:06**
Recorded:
**12:19**
